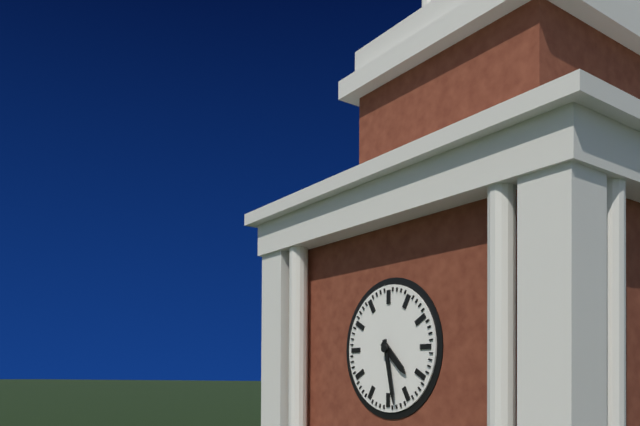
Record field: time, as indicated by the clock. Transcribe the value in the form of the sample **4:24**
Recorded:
**4:28**
